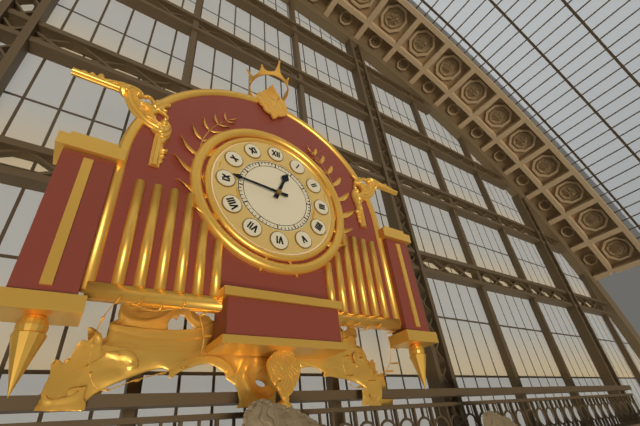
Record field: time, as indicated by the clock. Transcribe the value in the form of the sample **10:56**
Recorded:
**12:46**
